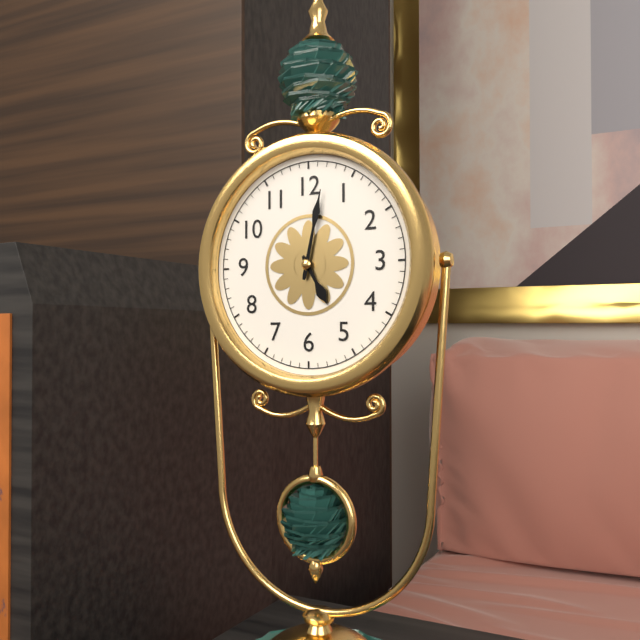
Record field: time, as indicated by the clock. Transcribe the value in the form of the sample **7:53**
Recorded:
**5:02**
